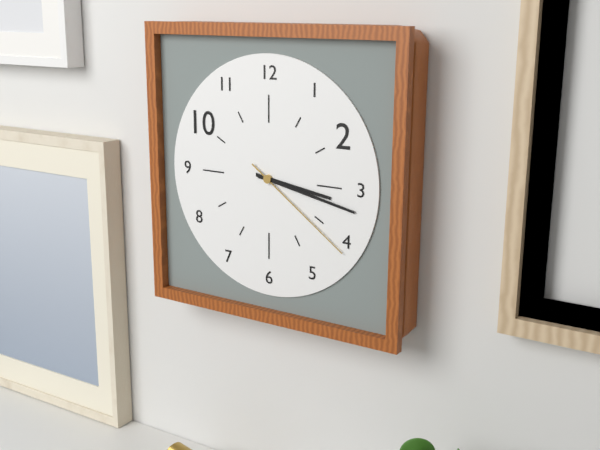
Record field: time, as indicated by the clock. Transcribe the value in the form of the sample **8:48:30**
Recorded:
**3:17:21**
